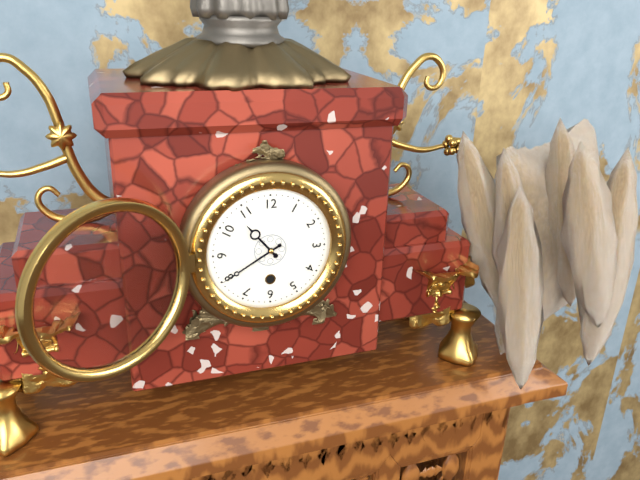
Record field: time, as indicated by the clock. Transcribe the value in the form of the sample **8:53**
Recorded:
**10:40**
